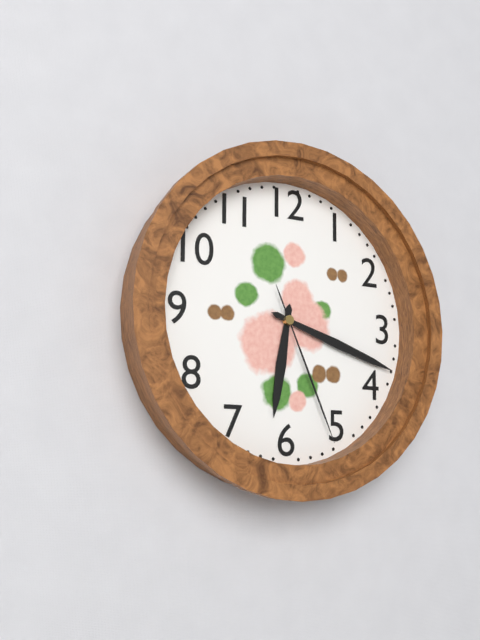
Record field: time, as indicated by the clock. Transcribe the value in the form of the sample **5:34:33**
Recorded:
**6:18:26**
